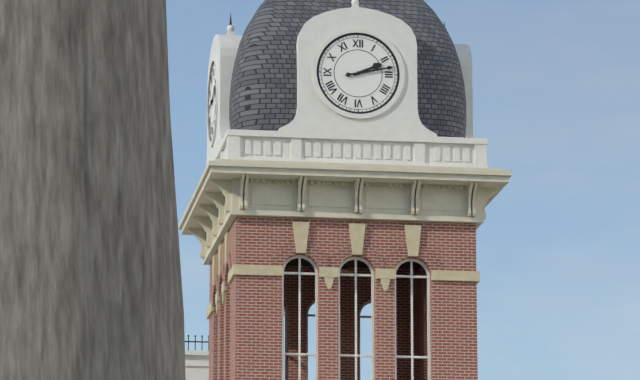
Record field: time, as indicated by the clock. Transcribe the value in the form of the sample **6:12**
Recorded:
**2:13**
